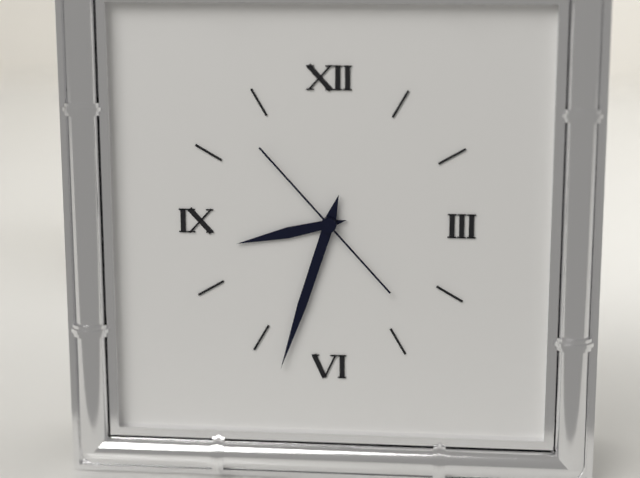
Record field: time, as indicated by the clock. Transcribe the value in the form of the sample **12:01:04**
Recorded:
**8:33:53**
